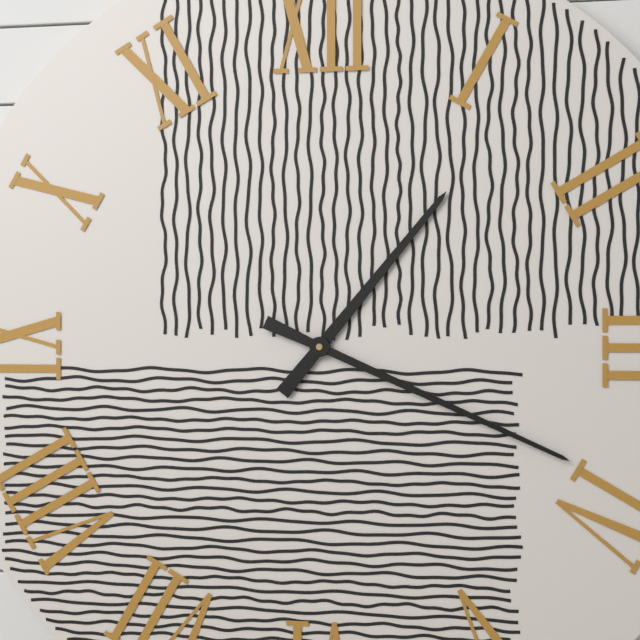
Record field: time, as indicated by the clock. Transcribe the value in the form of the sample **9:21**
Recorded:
**1:19**
